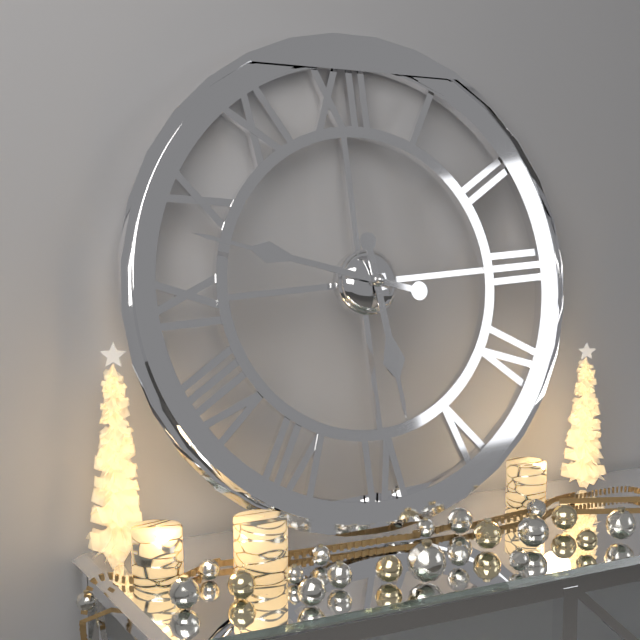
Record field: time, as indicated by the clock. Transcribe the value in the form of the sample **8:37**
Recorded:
**5:48**
